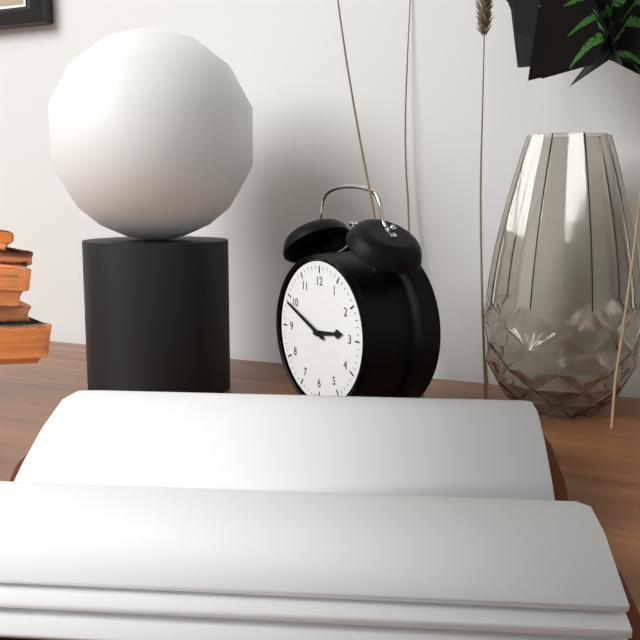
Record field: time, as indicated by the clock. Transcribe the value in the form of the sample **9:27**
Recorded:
**2:49**
